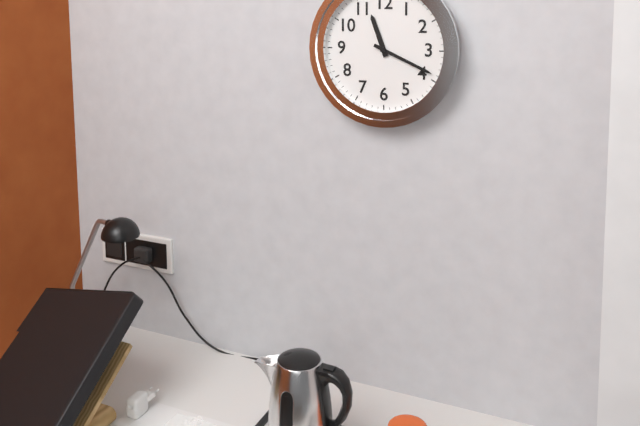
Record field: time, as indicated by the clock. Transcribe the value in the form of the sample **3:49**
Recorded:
**11:19**
